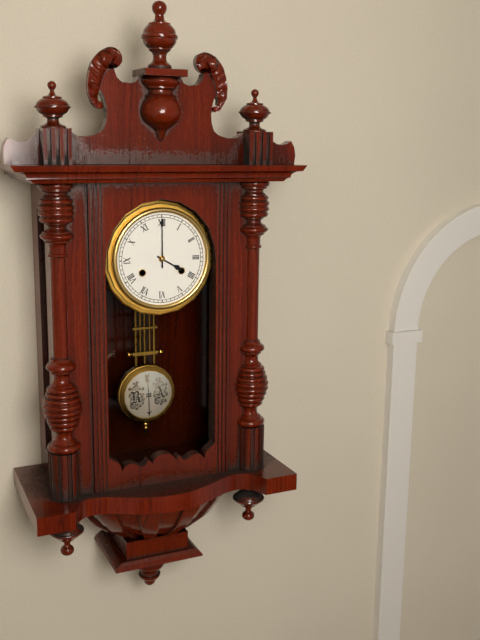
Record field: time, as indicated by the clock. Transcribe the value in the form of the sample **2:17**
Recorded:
**4:00**
